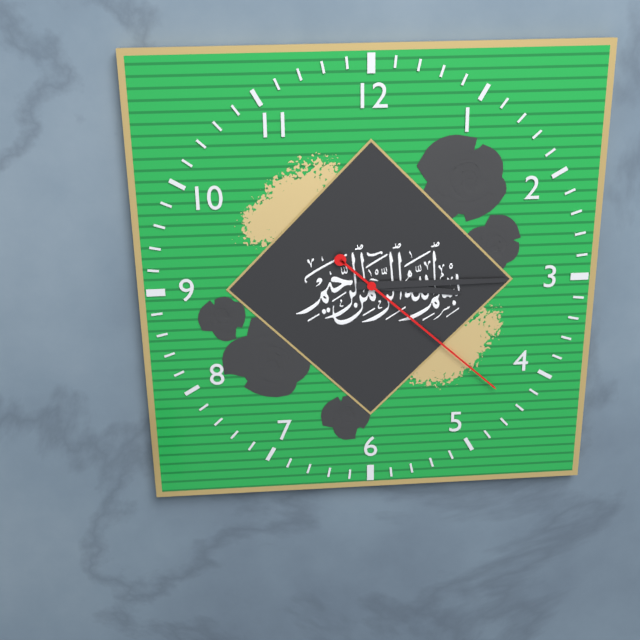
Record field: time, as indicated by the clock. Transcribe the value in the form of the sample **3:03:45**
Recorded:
**3:15:22**
